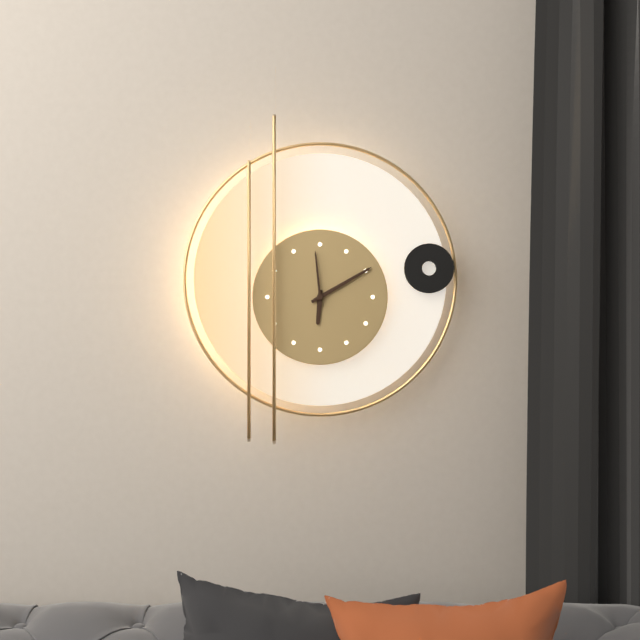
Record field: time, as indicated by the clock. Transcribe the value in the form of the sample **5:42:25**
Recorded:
**6:10:59**
